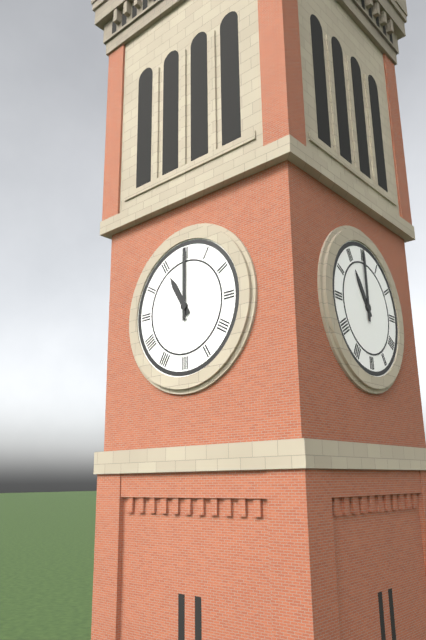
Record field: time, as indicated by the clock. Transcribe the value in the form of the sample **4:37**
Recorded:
**11:00**
